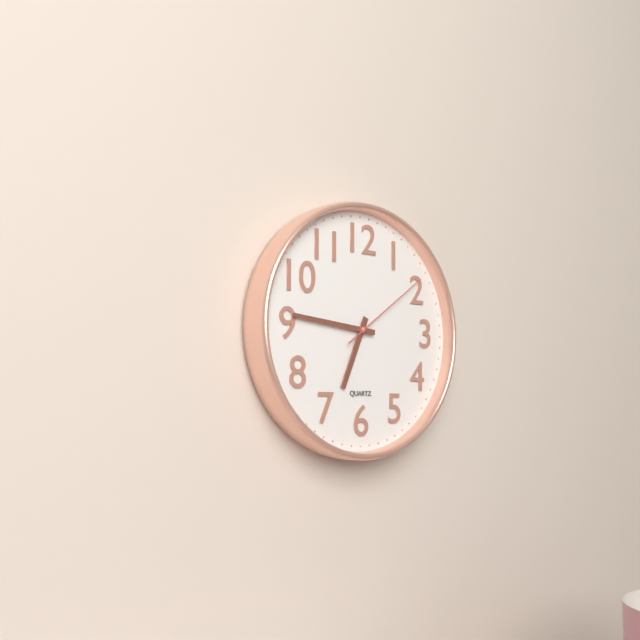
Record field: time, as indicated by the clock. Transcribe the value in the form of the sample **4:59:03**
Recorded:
**6:46:09**
